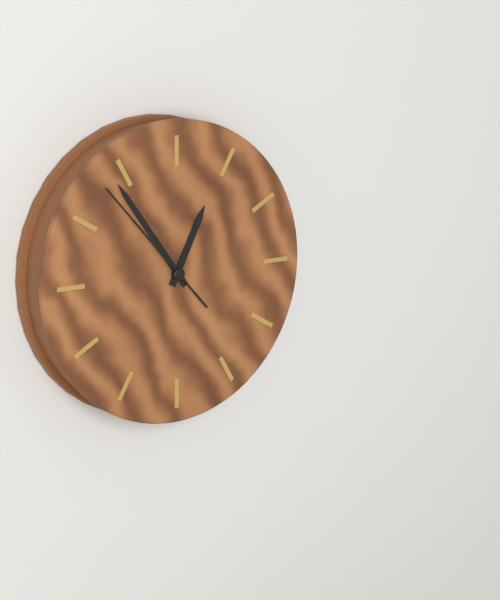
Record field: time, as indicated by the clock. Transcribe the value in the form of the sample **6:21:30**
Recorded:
**12:54:53**
